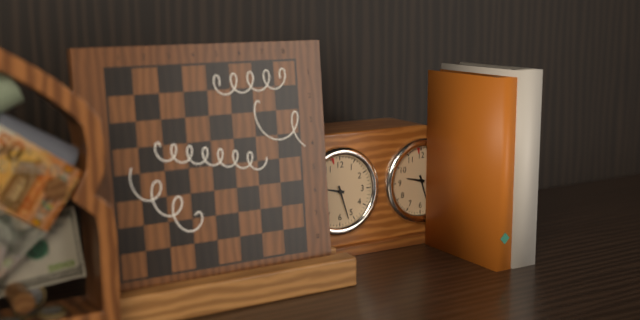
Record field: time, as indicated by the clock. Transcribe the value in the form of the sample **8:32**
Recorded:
**9:27**
